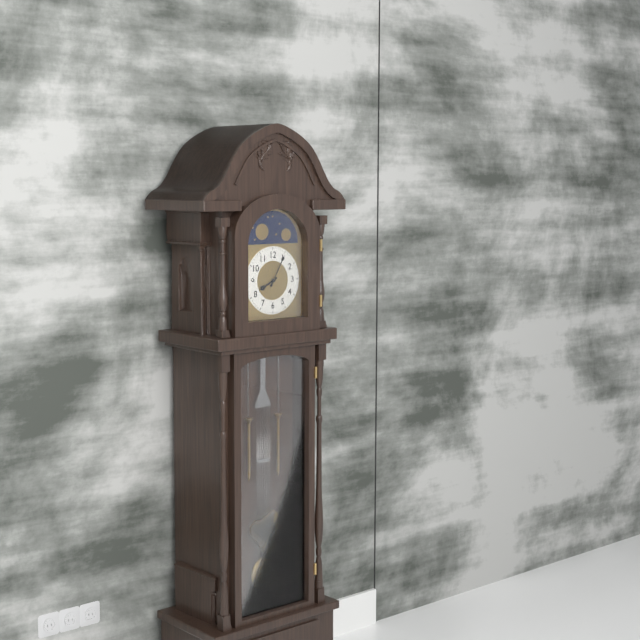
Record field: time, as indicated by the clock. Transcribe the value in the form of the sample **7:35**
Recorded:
**8:05**
